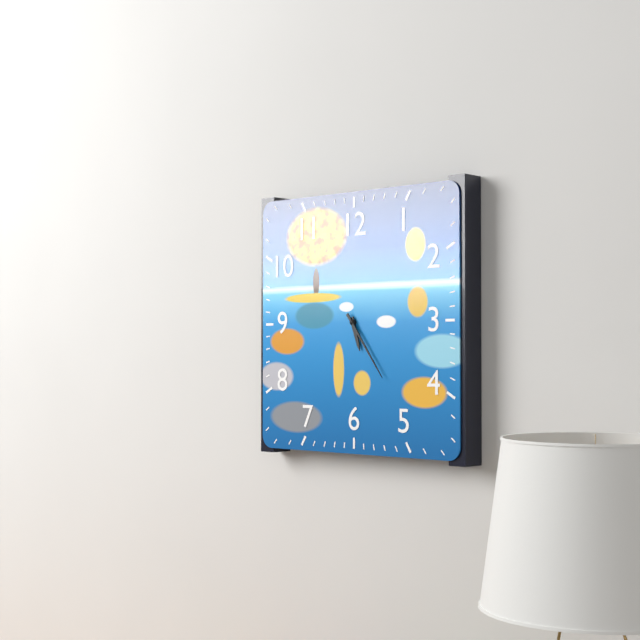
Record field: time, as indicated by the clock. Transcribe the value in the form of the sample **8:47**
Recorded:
**5:24**
